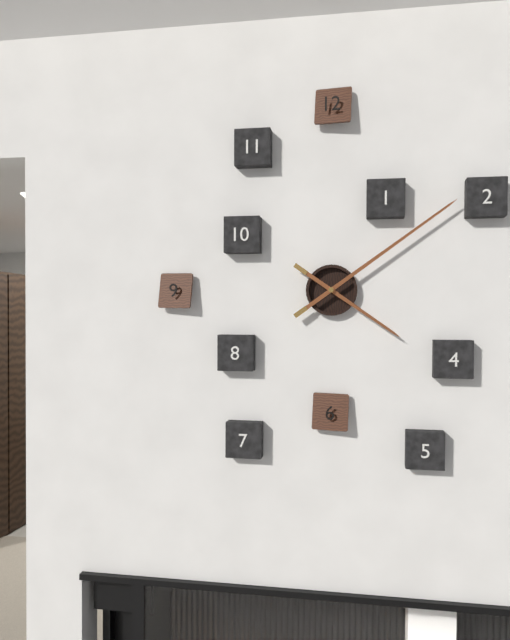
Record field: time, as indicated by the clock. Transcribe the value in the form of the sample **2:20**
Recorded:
**4:09**
